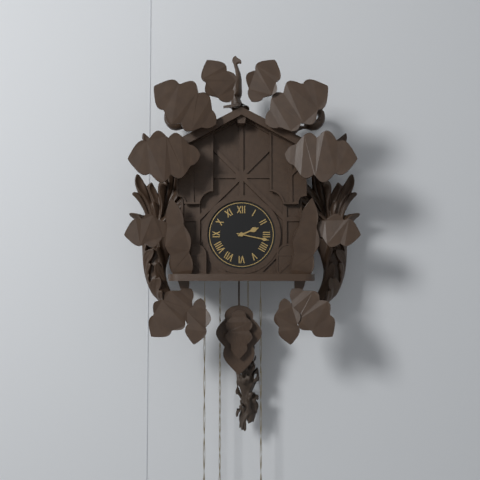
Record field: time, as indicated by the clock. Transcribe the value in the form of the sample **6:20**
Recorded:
**2:17**
